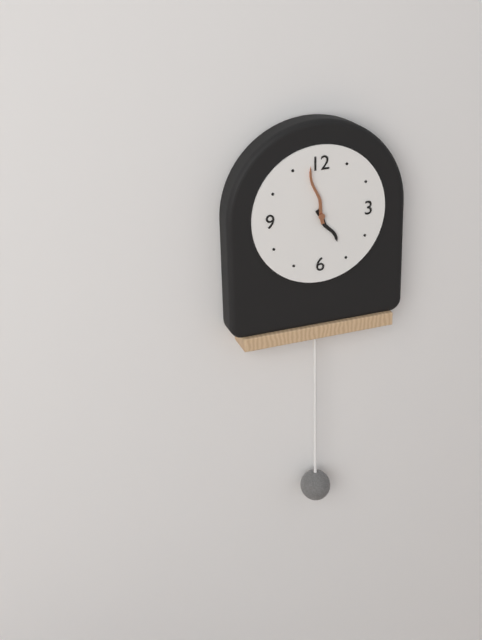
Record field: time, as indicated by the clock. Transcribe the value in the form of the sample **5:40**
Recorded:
**4:58**
